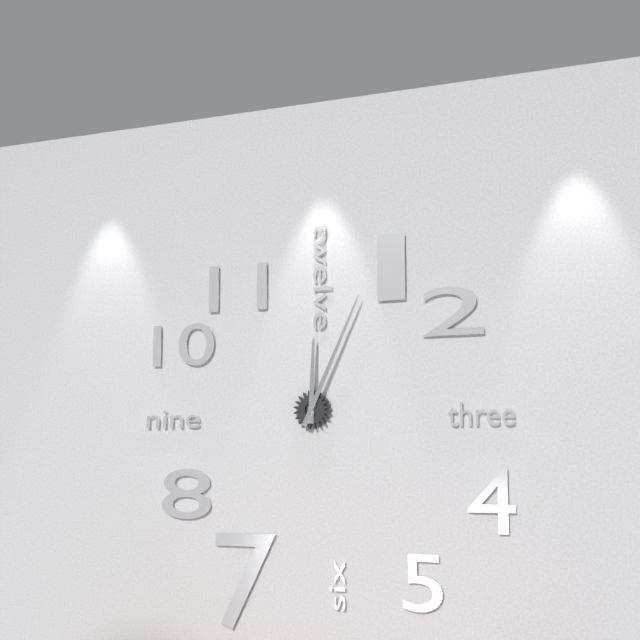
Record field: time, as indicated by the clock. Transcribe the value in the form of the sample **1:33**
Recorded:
**12:04**
